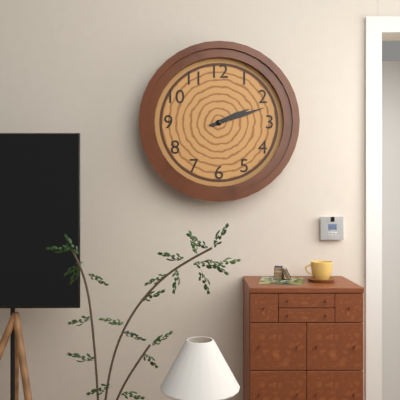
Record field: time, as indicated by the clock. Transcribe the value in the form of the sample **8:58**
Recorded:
**2:12**
